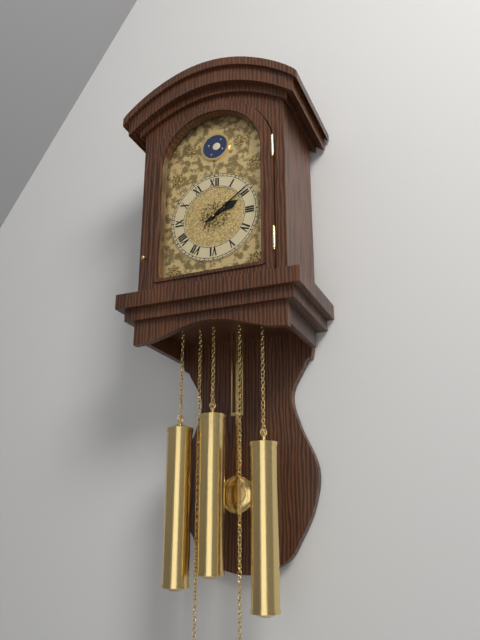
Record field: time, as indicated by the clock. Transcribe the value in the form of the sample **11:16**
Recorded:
**2:09**
